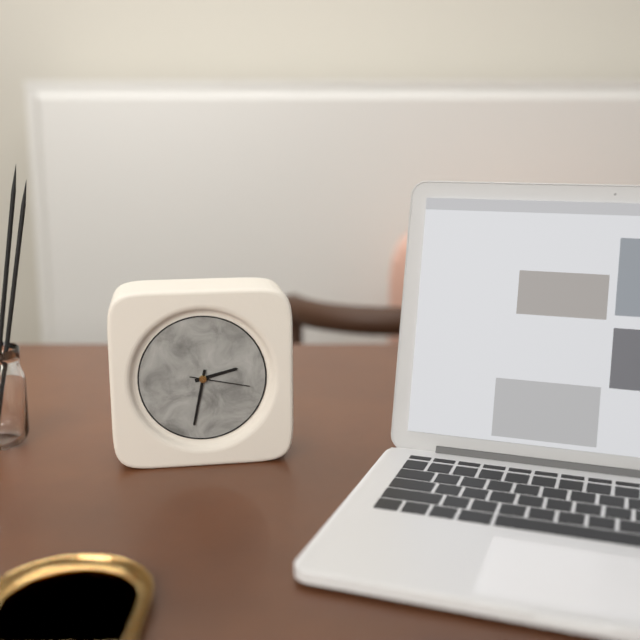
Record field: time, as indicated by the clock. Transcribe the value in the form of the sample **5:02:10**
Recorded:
**2:32:17**
